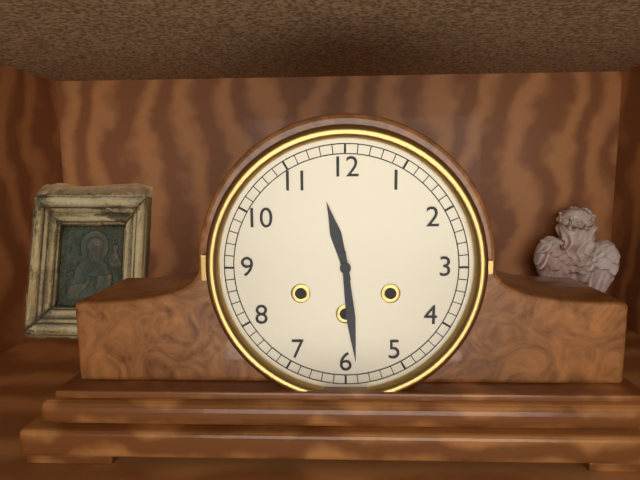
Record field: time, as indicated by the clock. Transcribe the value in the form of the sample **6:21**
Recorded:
**11:29**
